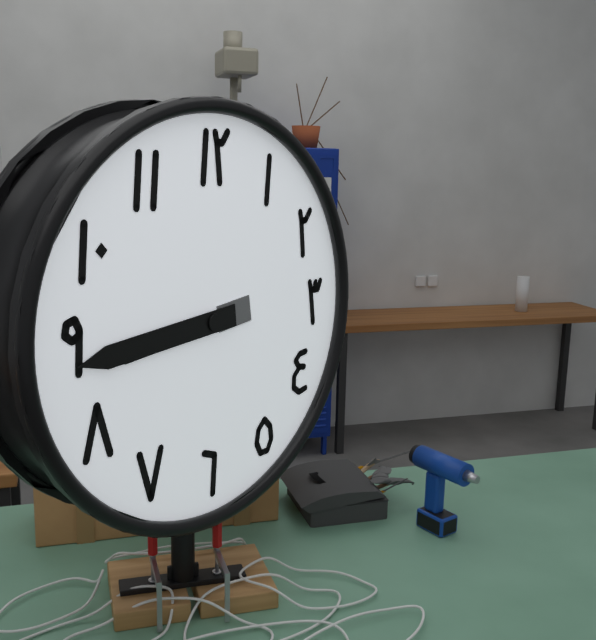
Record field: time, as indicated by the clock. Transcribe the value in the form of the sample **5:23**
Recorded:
**8:44**
